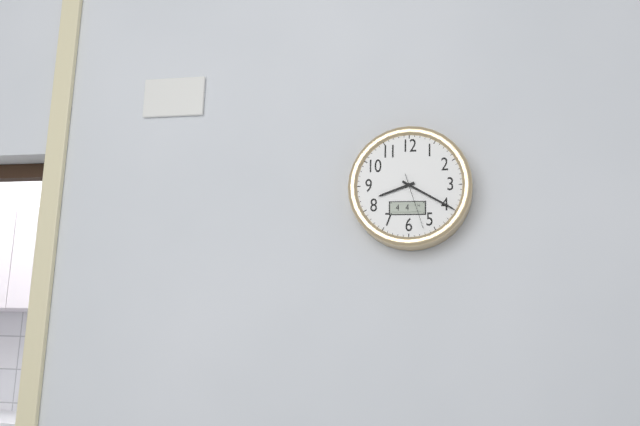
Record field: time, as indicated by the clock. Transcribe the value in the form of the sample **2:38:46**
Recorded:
**8:20:27**
